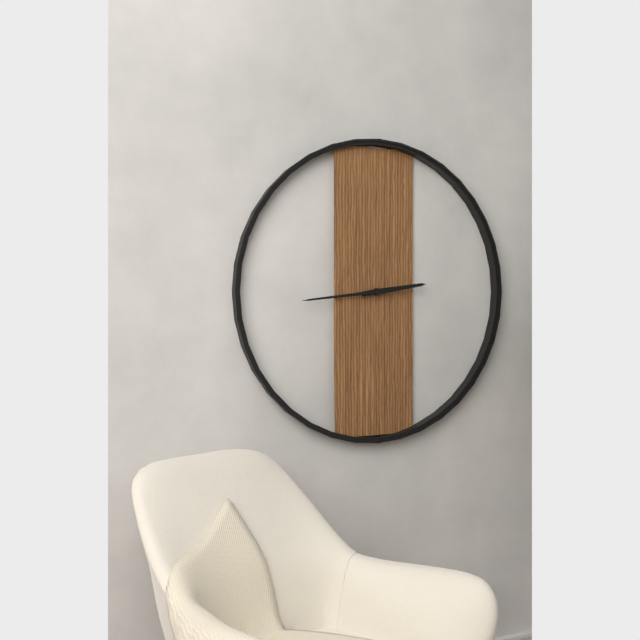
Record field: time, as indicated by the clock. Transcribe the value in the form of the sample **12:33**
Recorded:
**2:44**
